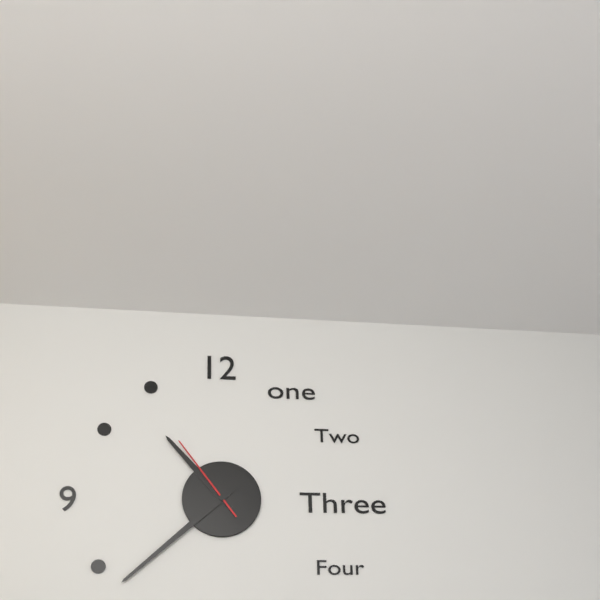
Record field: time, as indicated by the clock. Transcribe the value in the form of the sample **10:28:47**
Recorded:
**10:38:54**
